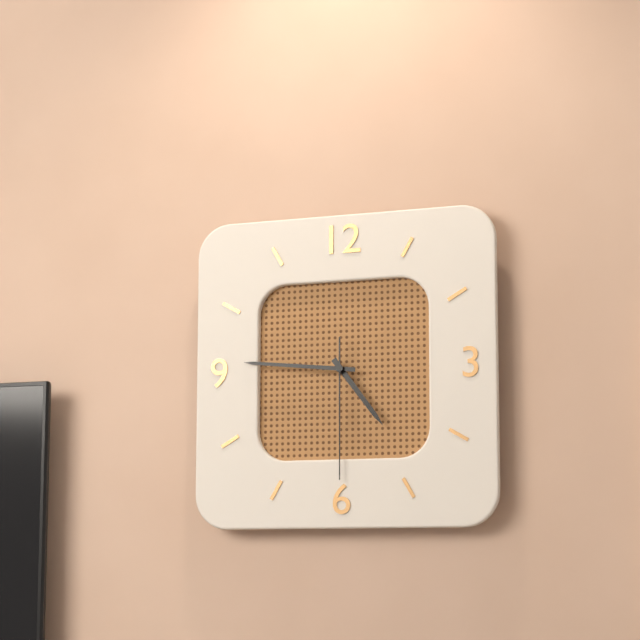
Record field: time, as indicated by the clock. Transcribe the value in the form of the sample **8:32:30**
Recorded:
**4:46:30**
